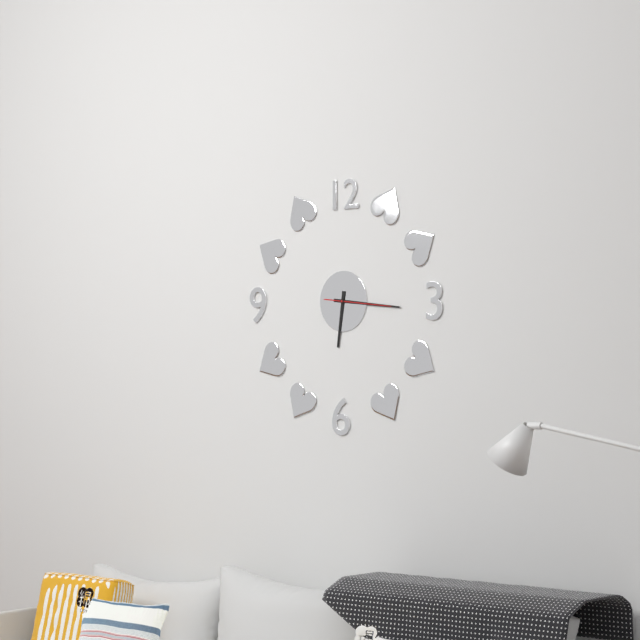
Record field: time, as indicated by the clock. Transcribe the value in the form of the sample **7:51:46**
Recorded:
**6:16:16**
